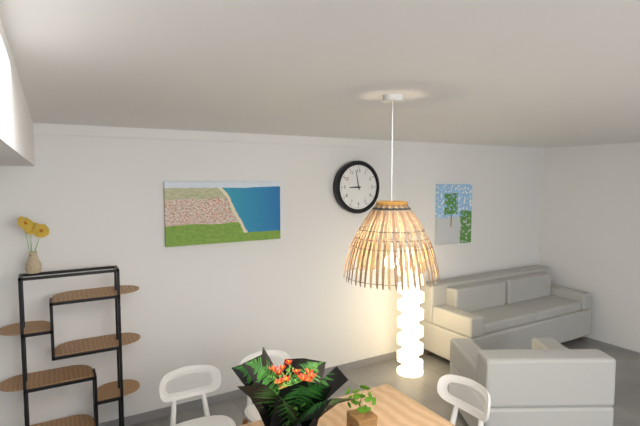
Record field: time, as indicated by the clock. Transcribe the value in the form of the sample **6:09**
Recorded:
**8:58**
